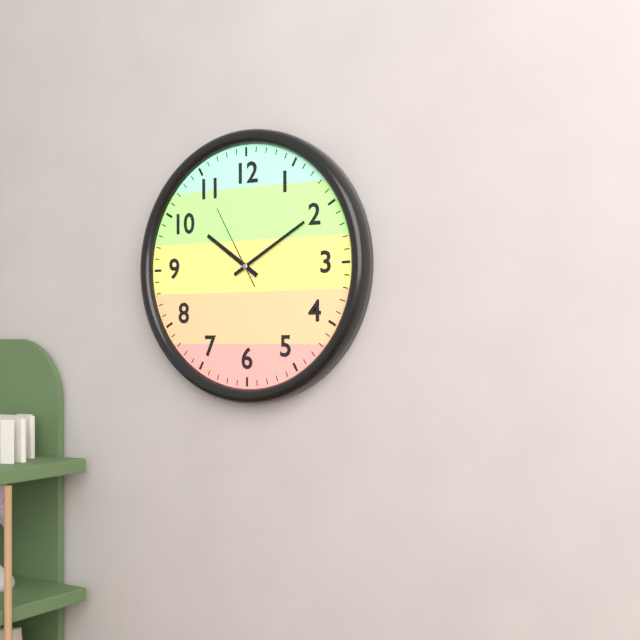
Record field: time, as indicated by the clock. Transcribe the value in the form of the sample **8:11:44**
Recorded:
**10:10:55**
